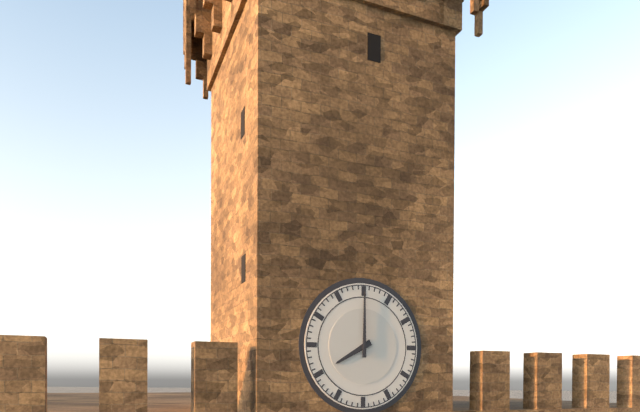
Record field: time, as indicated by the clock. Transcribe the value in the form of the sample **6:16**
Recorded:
**8:00**
